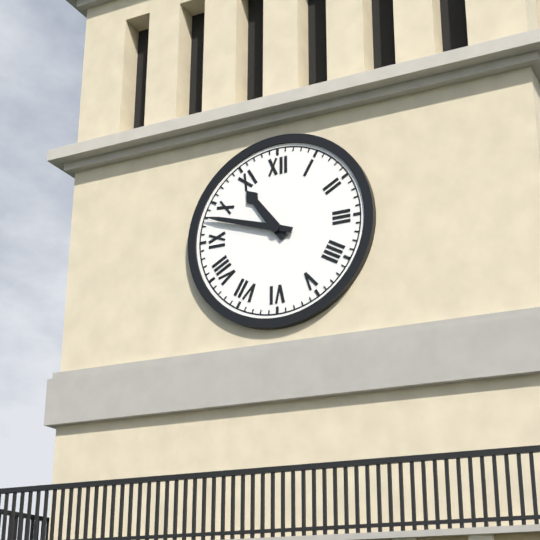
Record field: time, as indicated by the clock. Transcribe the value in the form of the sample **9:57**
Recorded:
**10:48**
